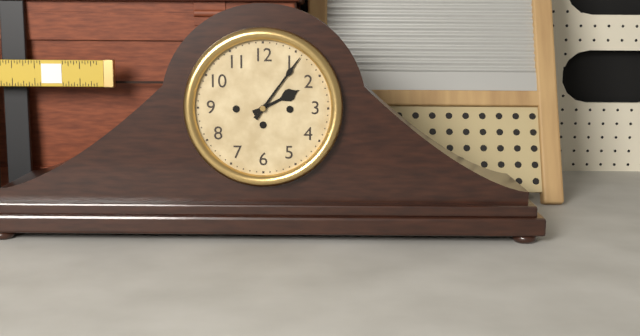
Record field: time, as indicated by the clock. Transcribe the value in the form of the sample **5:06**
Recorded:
**2:06**
